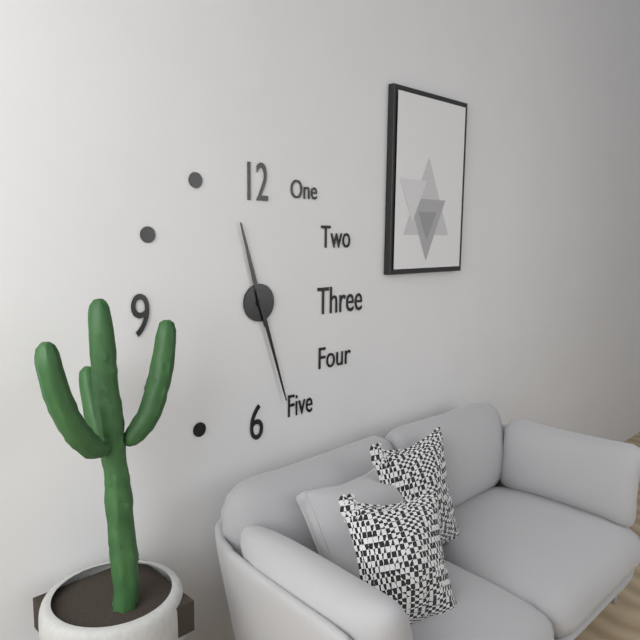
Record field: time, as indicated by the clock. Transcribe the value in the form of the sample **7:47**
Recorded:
**11:27**
